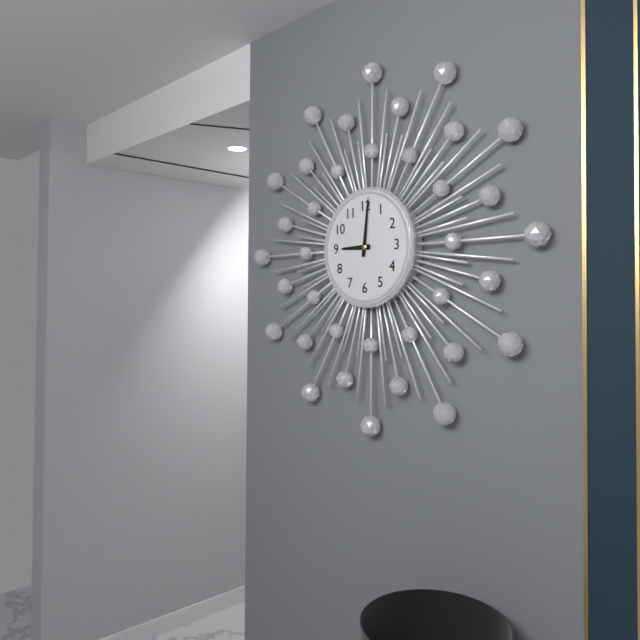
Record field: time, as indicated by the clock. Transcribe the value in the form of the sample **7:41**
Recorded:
**9:01**
